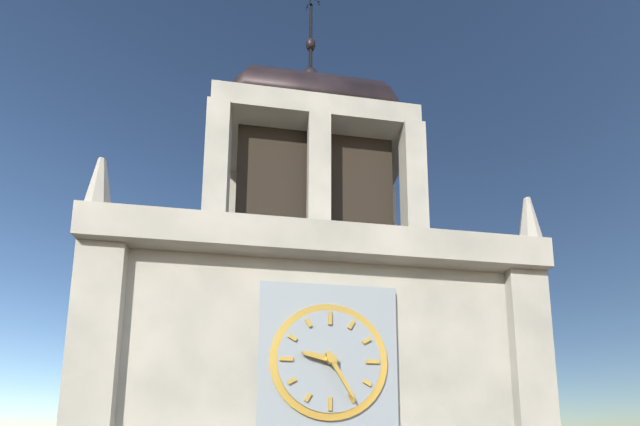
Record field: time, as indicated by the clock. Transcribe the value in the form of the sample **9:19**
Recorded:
**9:25**
